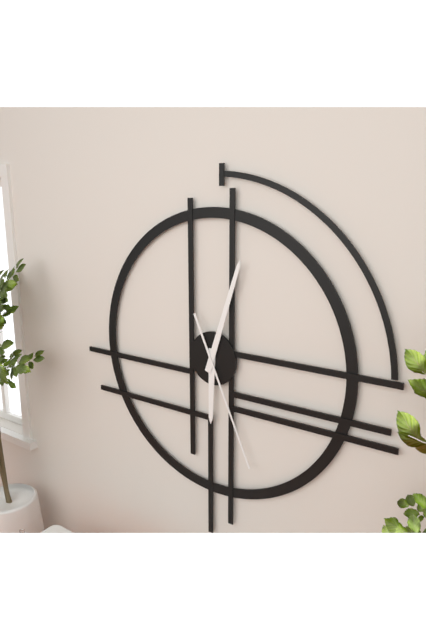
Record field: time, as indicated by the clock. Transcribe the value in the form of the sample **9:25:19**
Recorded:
**6:03:26**
